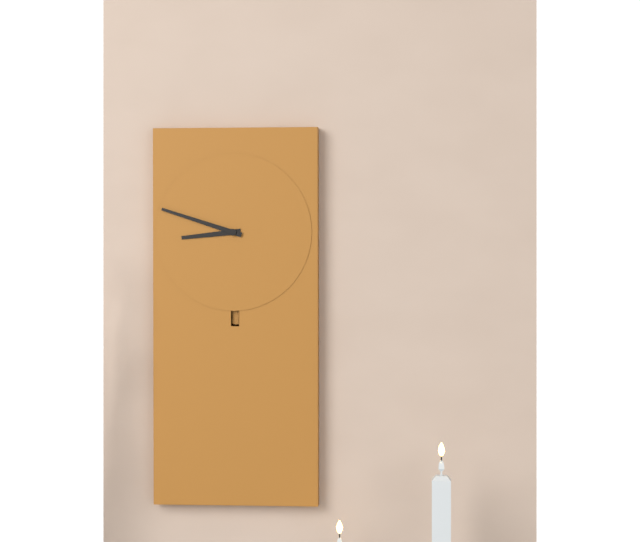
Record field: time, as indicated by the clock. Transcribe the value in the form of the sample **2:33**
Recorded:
**8:48**
